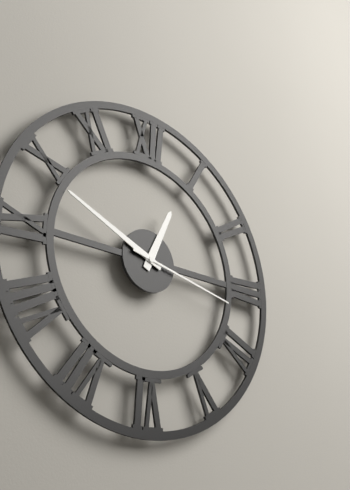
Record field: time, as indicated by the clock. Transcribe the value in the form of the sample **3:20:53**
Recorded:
**12:49:17**
